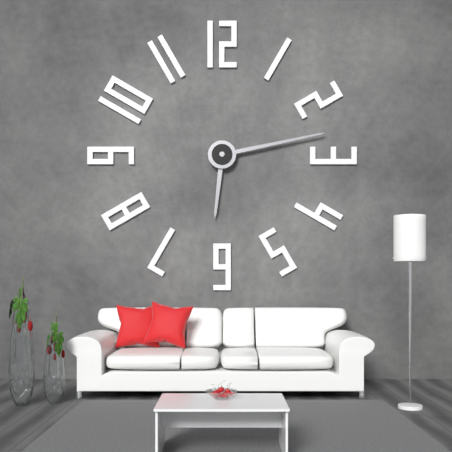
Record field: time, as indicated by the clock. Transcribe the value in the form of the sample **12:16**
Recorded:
**6:13**
